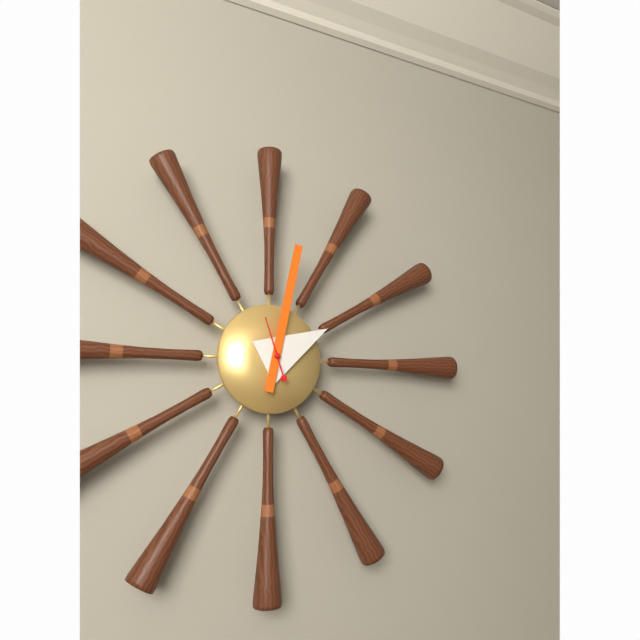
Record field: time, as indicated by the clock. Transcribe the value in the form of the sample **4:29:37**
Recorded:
**2:02:57**
